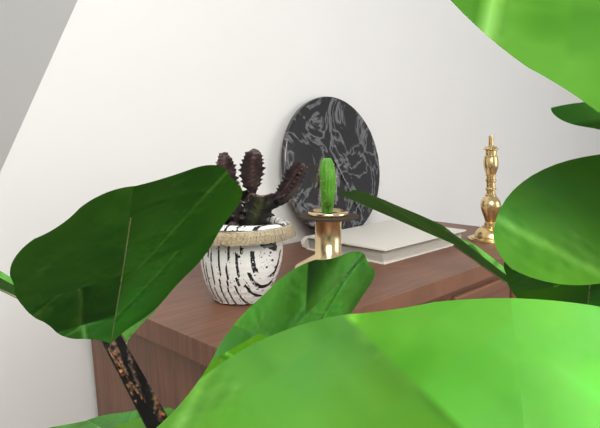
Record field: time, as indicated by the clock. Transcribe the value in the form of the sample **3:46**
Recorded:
**6:25**
